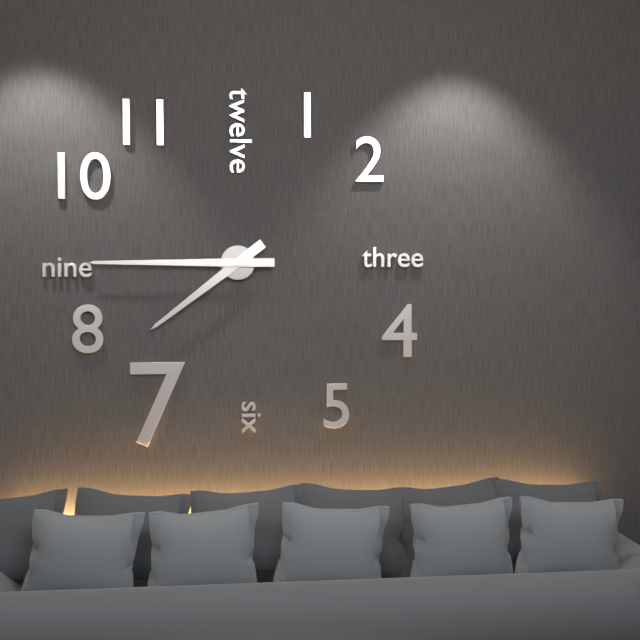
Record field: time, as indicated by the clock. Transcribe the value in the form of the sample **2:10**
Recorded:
**7:45**
